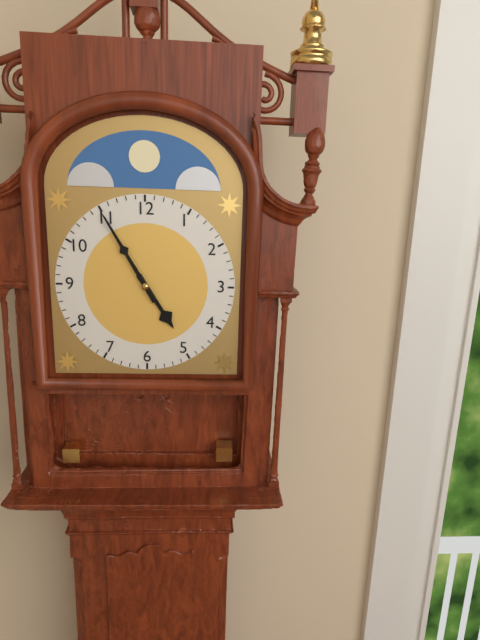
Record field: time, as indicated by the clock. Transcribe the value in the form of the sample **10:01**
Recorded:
**4:55**
